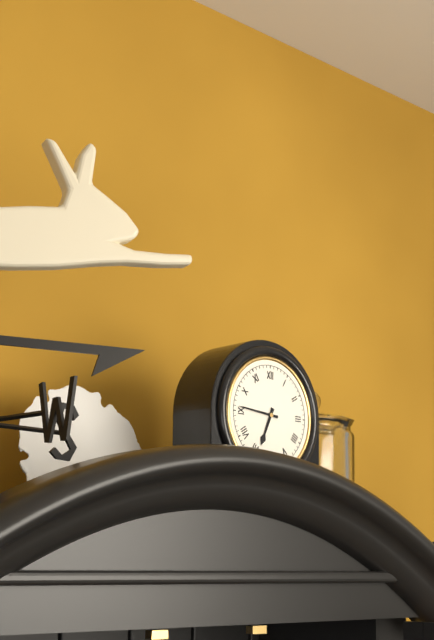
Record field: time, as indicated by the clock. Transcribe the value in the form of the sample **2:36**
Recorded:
**6:46**
